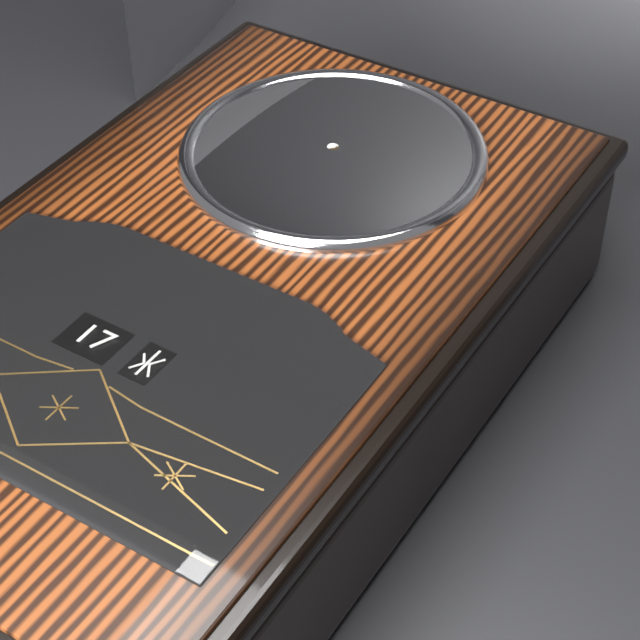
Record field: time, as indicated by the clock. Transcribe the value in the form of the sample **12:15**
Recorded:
**12:31**
